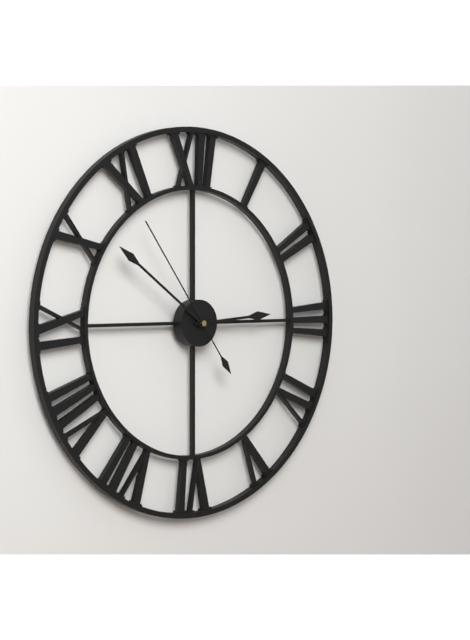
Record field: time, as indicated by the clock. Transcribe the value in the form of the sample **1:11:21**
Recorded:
**2:51:54**
